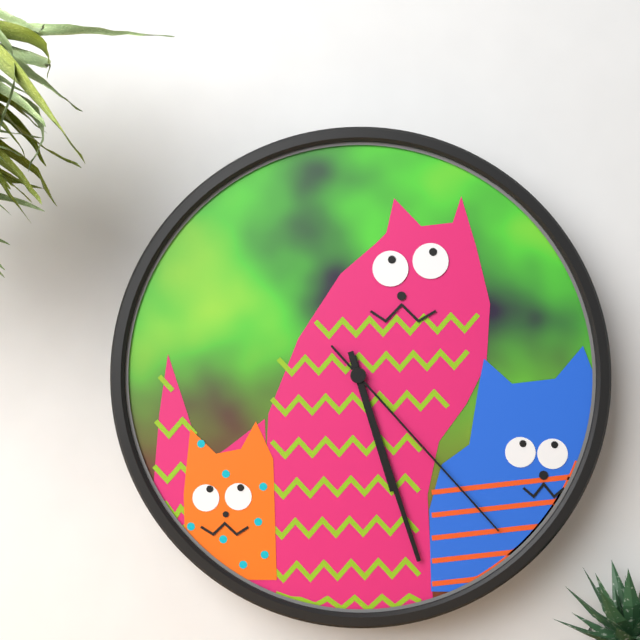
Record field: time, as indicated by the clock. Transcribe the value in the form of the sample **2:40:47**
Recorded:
**5:27:23**
